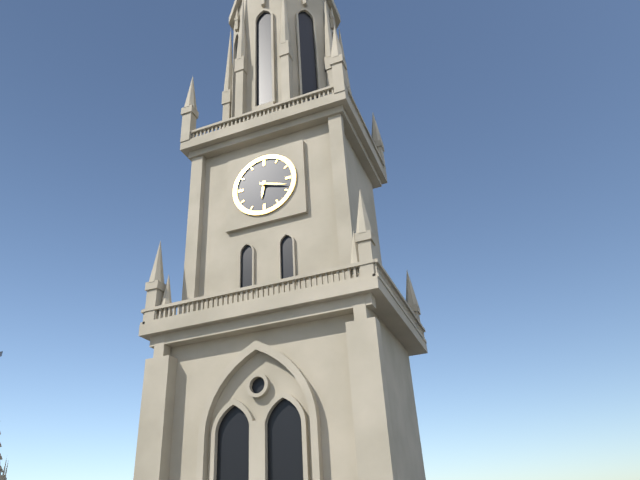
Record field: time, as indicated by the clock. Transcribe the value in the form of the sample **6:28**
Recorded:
**6:18**
